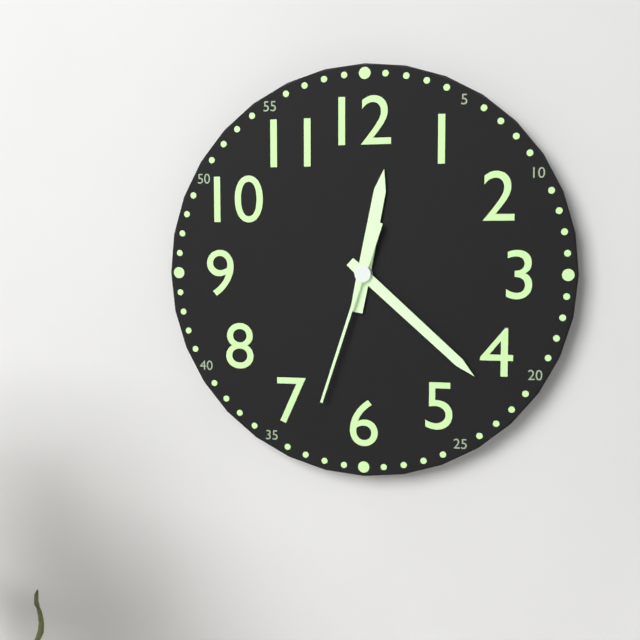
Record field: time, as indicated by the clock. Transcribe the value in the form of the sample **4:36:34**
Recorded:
**12:22:33**
